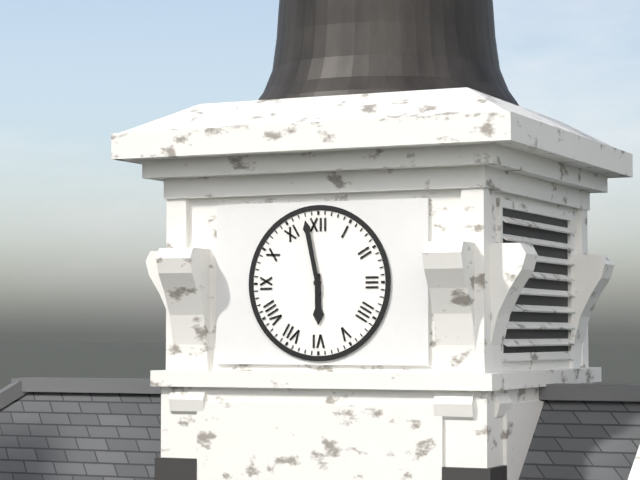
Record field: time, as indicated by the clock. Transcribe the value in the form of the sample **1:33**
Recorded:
**5:58**
